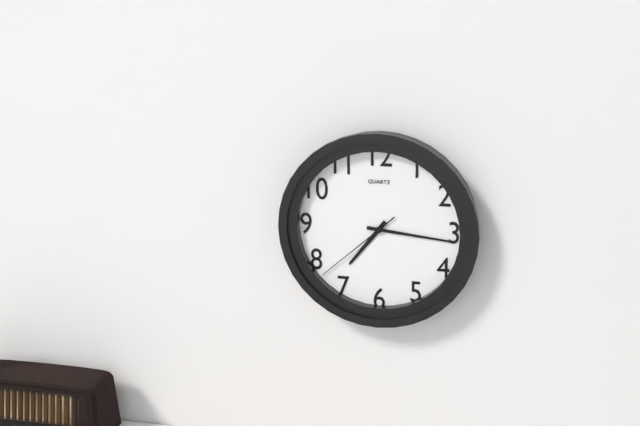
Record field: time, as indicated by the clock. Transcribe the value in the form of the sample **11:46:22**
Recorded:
**7:16:38**
